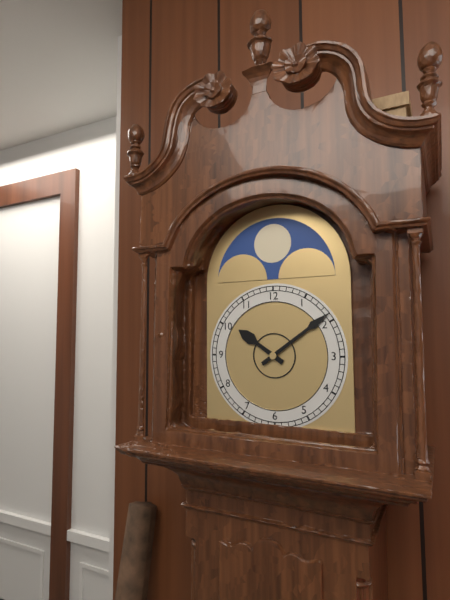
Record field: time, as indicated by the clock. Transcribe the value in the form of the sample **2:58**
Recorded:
**10:09**
